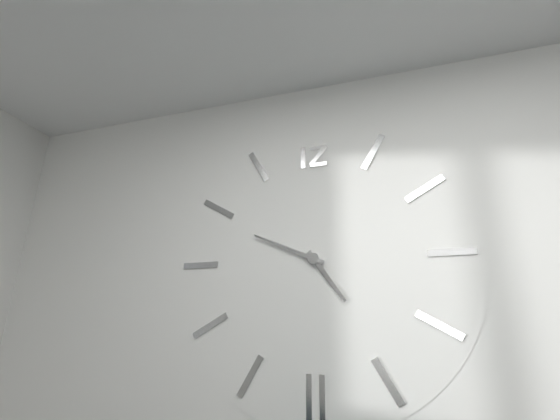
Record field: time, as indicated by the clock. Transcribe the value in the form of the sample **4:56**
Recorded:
**4:49**
